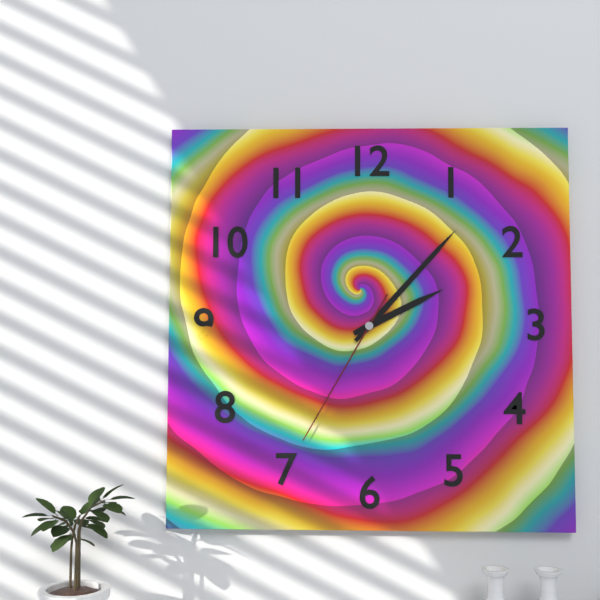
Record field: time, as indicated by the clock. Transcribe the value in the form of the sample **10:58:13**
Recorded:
**2:07:35**
